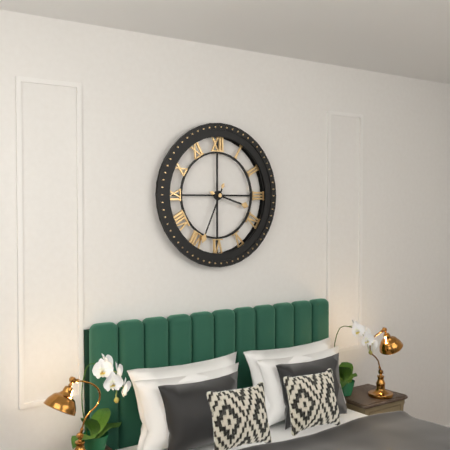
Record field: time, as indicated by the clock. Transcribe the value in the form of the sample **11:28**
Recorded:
**3:34**
